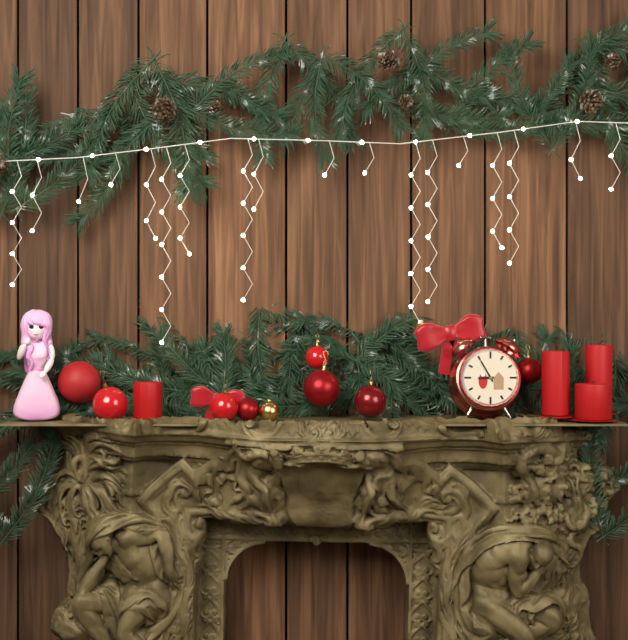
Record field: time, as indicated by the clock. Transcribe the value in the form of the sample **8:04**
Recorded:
**8:55**
